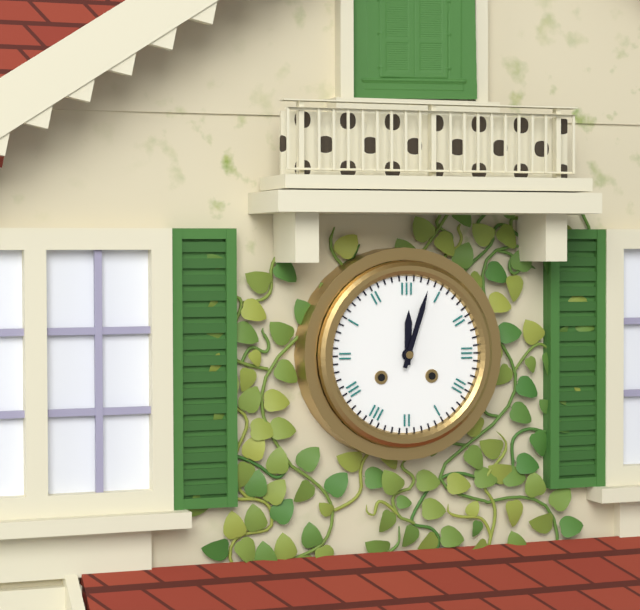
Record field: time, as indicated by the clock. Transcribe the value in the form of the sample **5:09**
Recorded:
**12:03**
